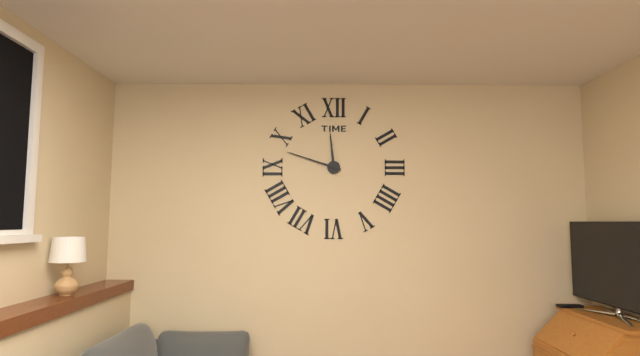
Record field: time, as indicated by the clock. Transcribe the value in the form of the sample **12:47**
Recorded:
**11:48**
